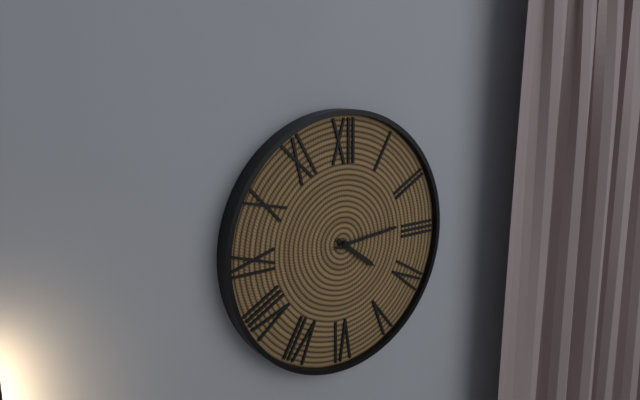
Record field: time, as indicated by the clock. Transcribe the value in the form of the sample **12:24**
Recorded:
**4:14**
